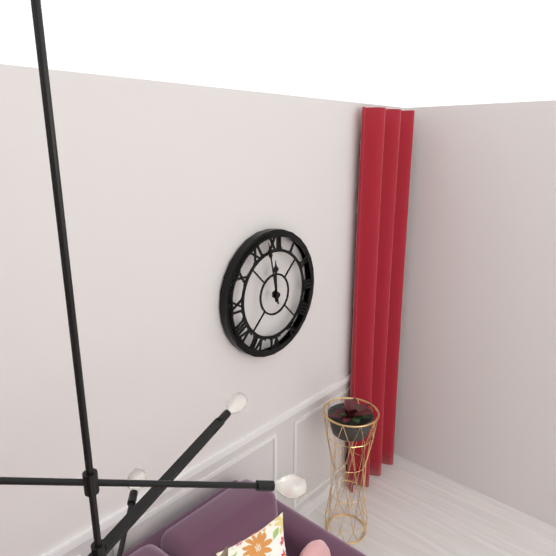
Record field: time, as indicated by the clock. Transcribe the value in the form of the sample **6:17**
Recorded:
**11:58**
